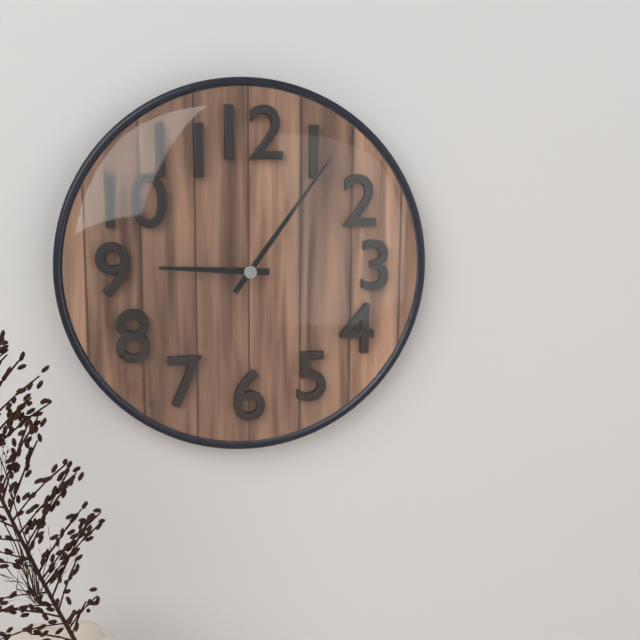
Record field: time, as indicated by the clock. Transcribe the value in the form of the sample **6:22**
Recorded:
**9:06**
